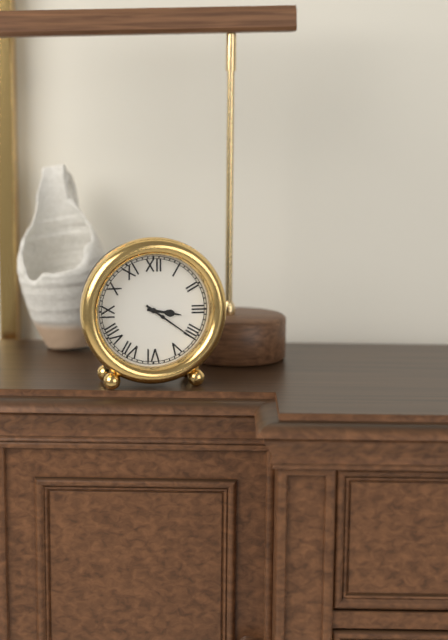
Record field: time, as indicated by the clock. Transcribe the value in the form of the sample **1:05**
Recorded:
**3:21**
